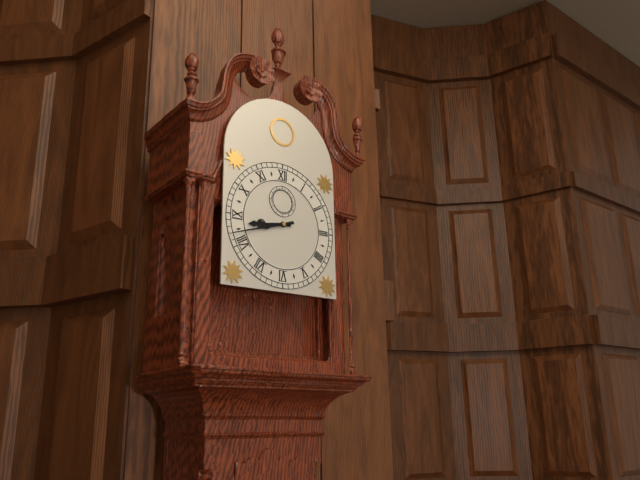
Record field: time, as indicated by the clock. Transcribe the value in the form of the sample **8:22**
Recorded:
**8:42**
